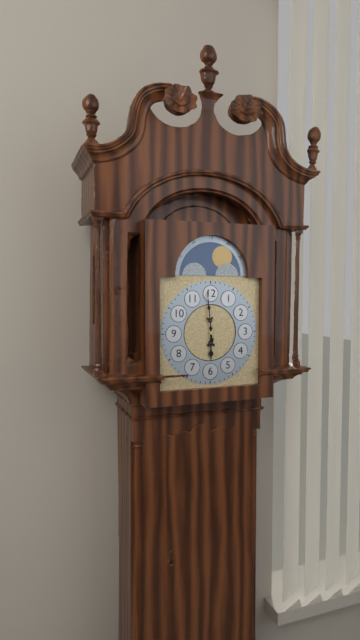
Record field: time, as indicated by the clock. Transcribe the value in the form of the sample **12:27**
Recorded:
**5:59**
